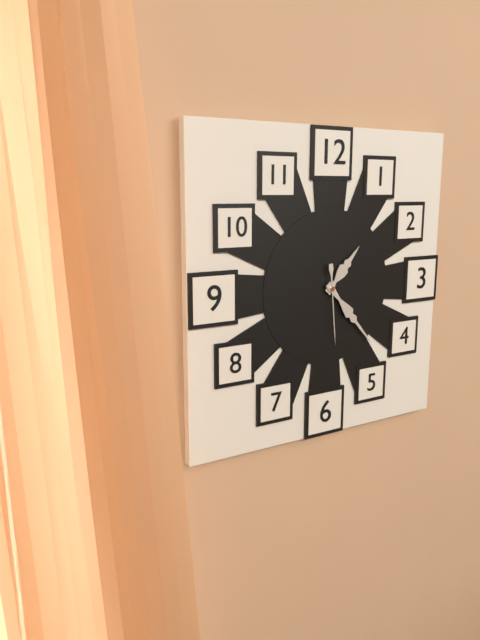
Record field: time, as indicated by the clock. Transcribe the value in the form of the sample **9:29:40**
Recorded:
**1:23:29**
